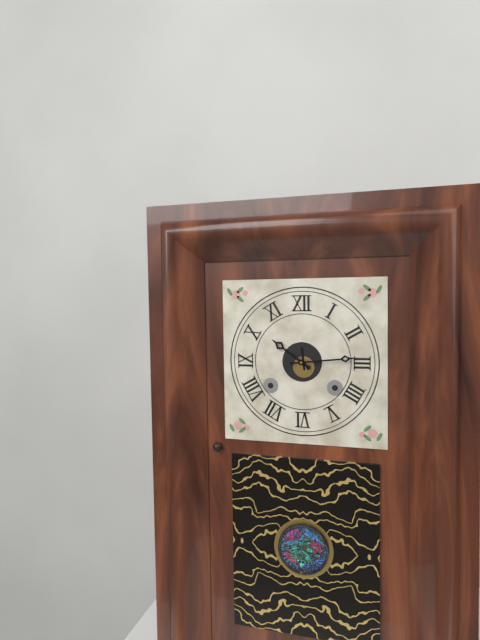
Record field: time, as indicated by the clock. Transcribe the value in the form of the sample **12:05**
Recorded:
**10:14**
